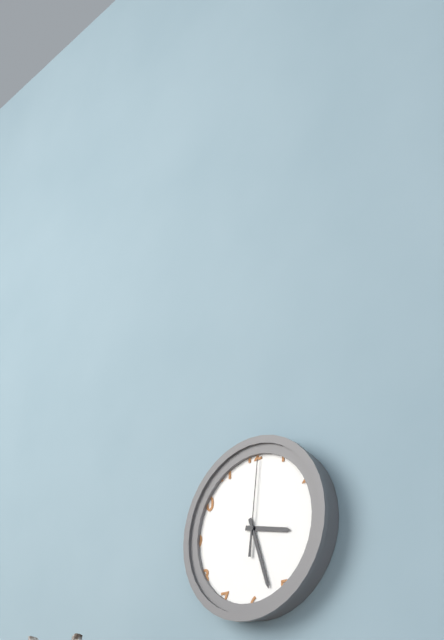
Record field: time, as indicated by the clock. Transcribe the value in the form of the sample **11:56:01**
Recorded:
**3:27:01**
